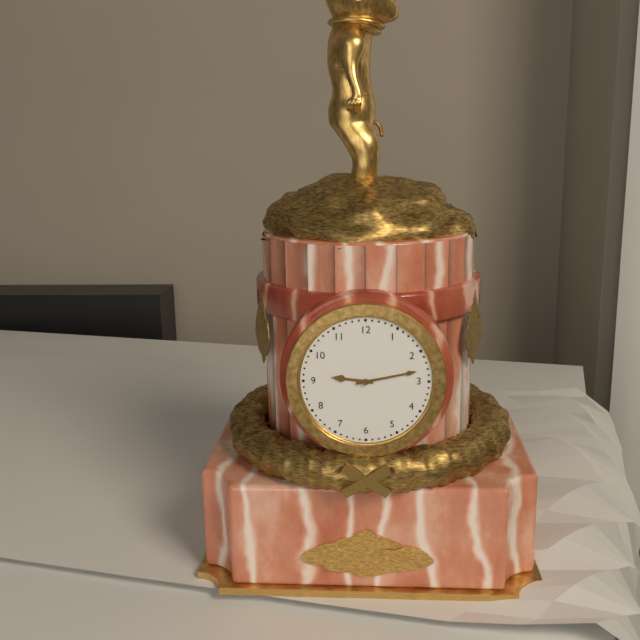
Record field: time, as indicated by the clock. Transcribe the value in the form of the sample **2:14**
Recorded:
**9:13**
